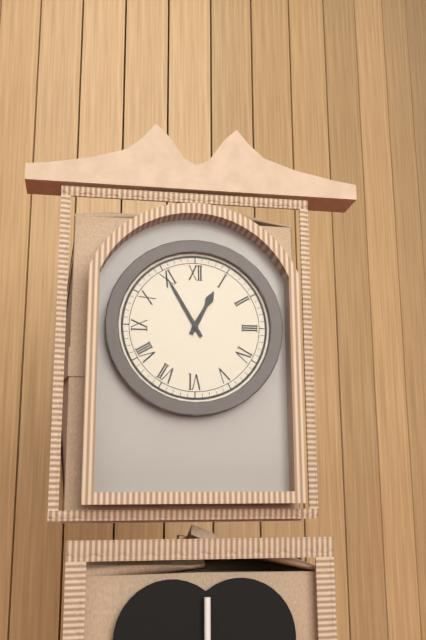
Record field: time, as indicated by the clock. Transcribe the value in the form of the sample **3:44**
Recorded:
**12:55**
